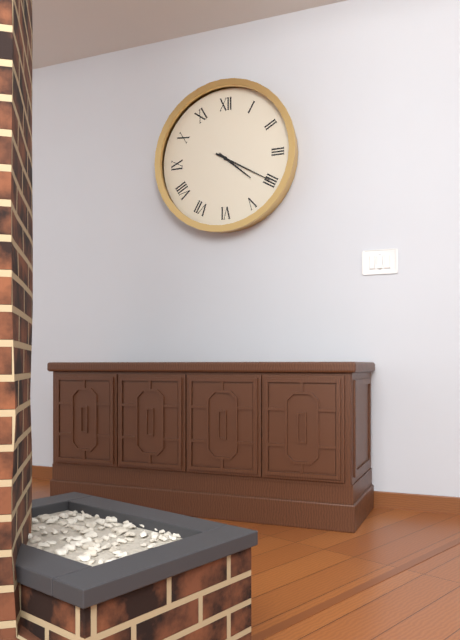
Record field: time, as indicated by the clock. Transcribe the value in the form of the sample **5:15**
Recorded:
**4:20**
